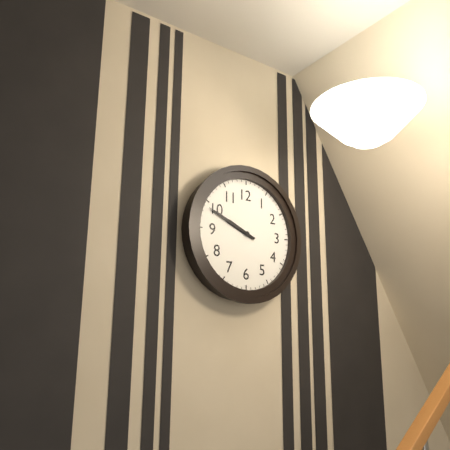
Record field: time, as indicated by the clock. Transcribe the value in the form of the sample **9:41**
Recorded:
**9:49**
